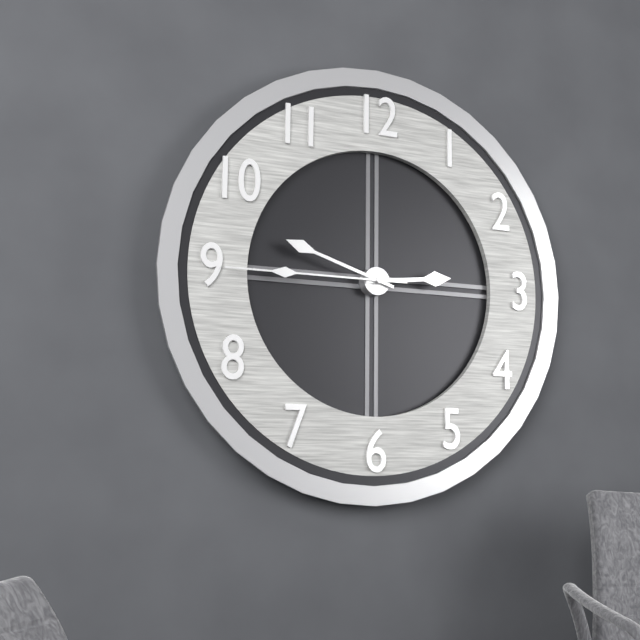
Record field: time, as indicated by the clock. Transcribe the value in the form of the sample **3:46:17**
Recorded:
**2:48:45**
